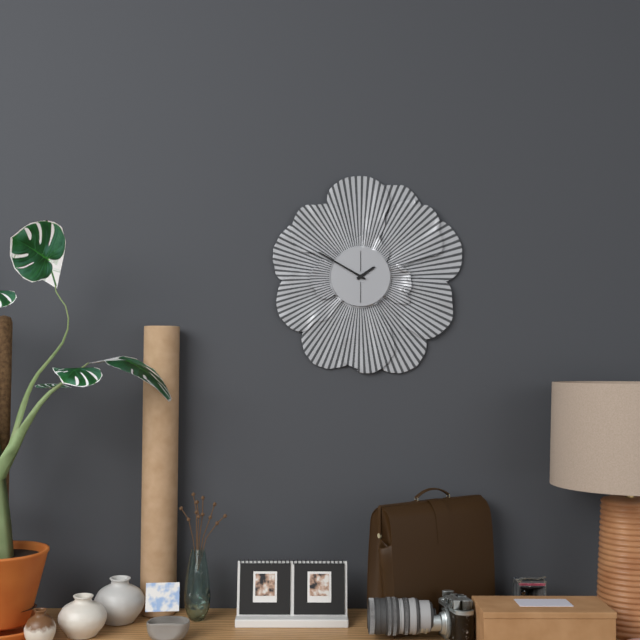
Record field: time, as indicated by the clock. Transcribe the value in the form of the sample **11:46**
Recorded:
**1:50**
